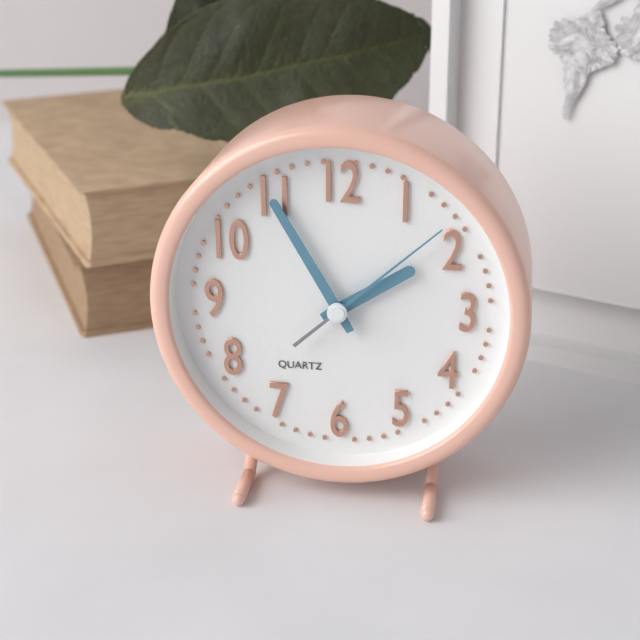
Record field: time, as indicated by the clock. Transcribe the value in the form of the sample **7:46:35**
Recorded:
**1:55:08**
